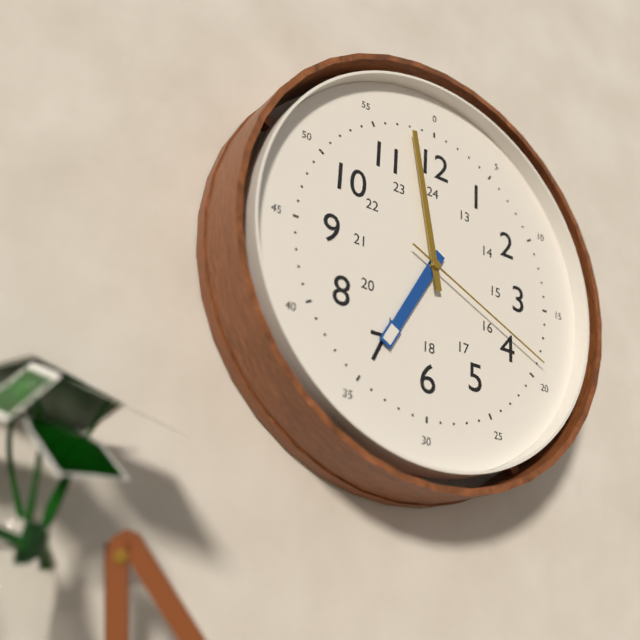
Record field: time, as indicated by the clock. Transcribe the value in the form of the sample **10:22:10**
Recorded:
**6:58:19**
